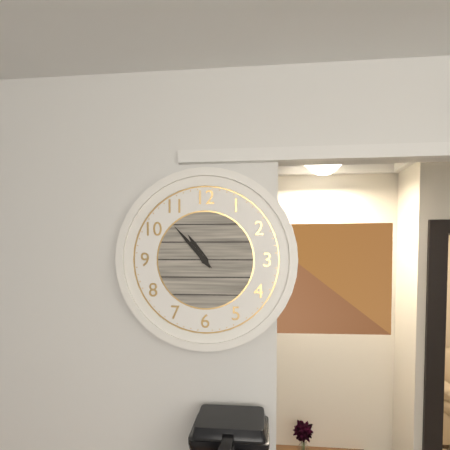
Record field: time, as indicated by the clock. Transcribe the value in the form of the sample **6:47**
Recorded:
**10:53**
